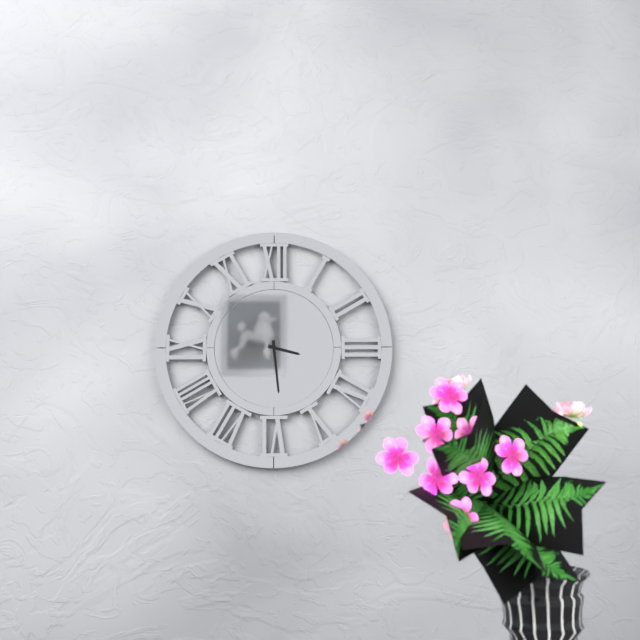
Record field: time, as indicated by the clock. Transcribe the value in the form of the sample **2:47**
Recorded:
**3:29**
